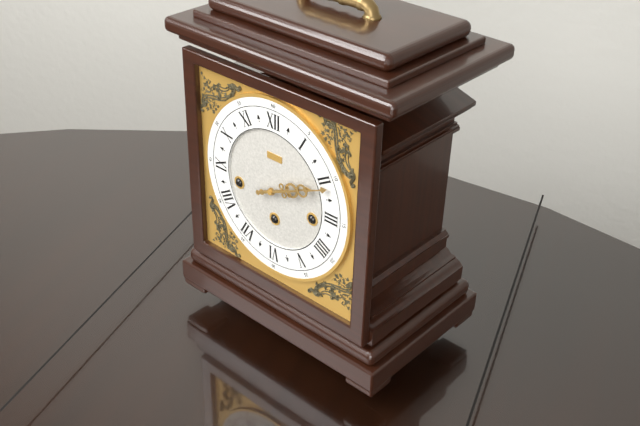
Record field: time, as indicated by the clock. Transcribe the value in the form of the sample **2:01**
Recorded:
**2:11**
